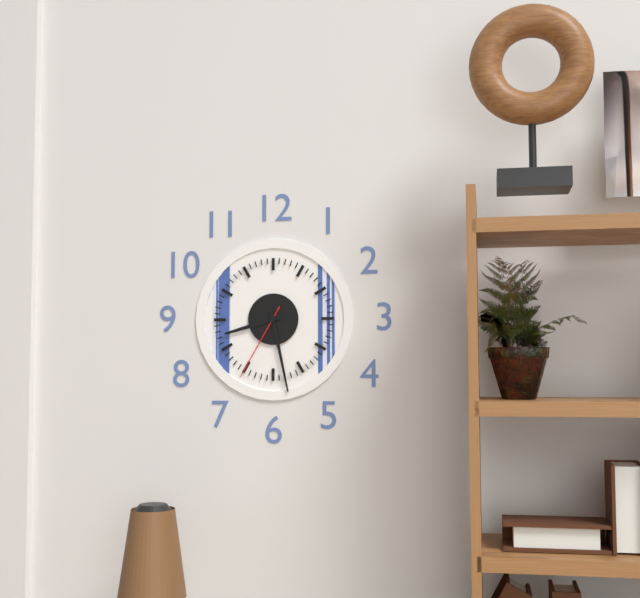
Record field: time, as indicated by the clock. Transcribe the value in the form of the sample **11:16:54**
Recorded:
**8:28:35**
